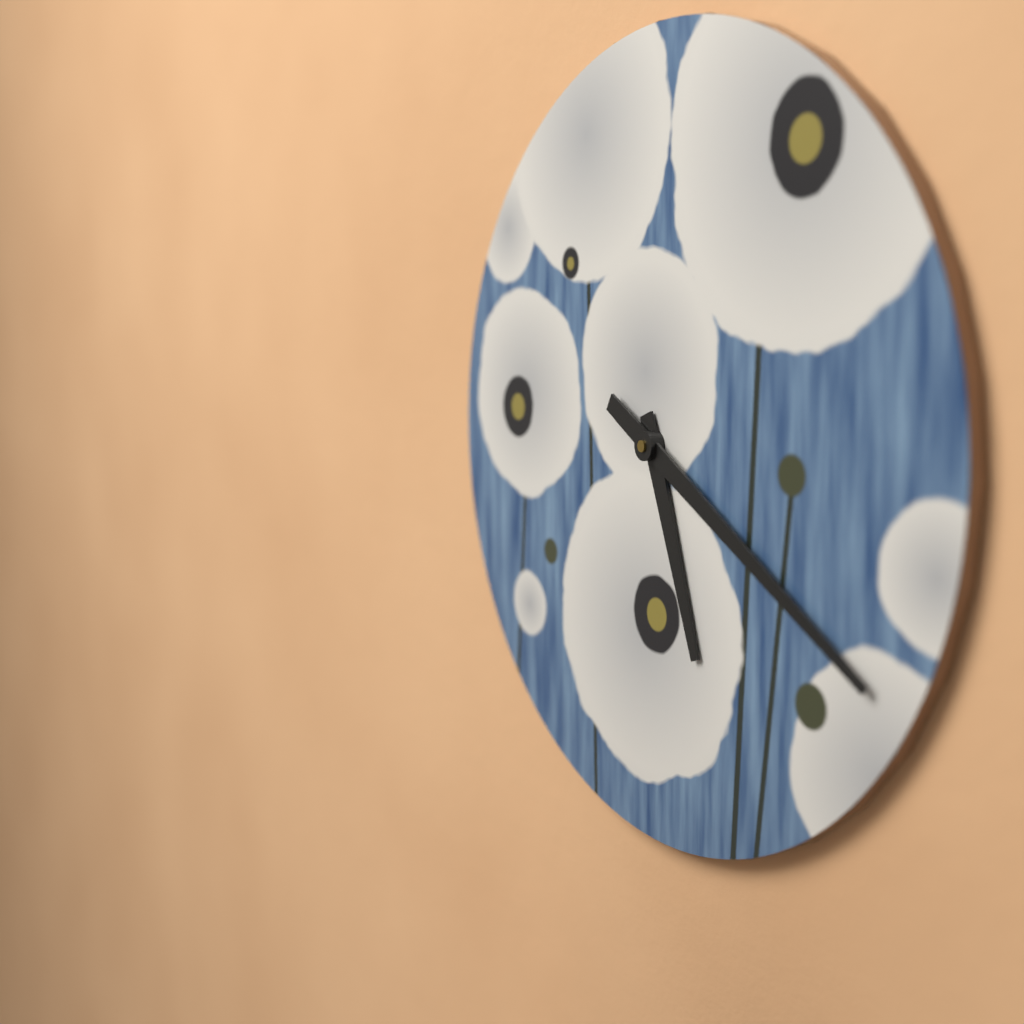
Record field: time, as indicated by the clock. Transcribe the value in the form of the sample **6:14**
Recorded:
**5:20**
